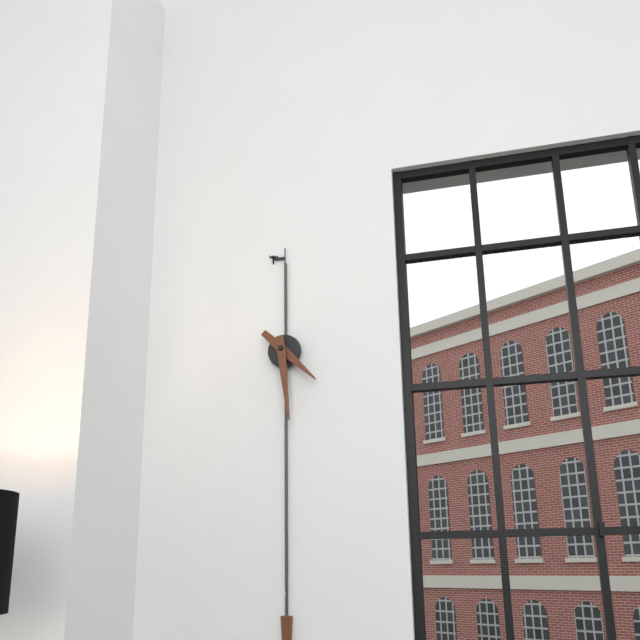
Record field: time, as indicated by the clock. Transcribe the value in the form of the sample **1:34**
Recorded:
**4:29**
